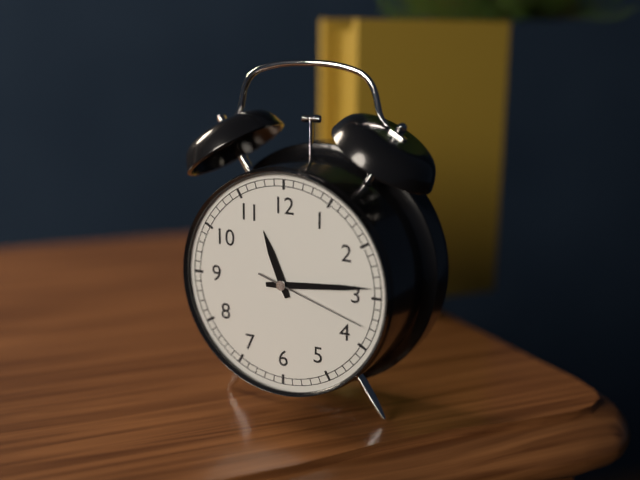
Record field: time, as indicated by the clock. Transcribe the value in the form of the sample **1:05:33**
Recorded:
**11:14:18**
